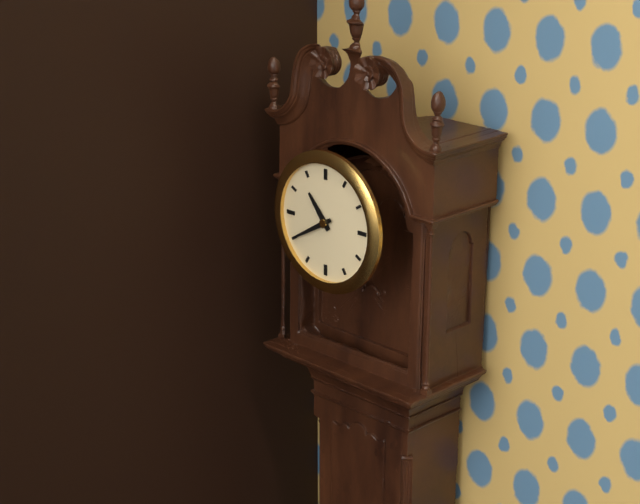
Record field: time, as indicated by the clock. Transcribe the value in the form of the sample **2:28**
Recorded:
**10:40**
